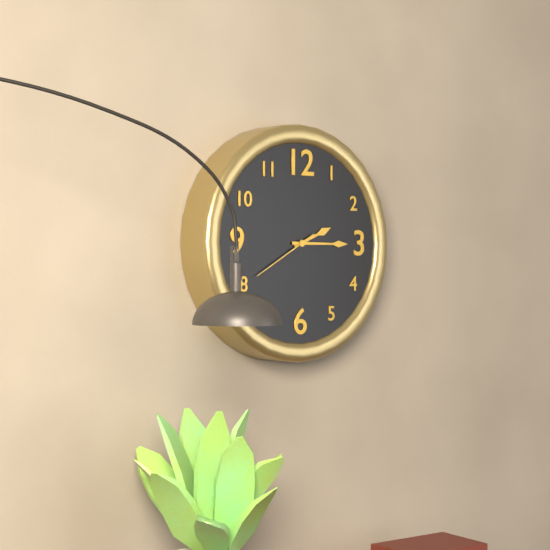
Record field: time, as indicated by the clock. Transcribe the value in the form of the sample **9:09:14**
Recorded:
**2:15:40**
